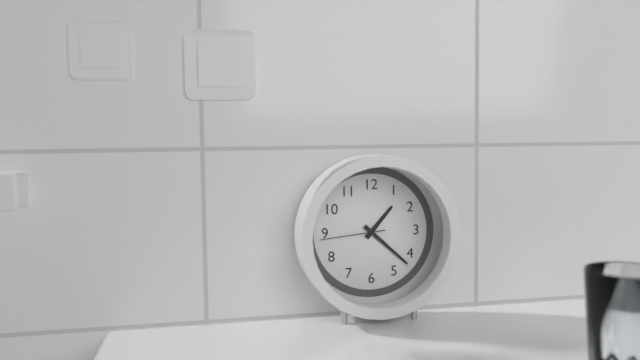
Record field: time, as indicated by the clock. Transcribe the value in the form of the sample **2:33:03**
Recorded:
**1:22:44**
